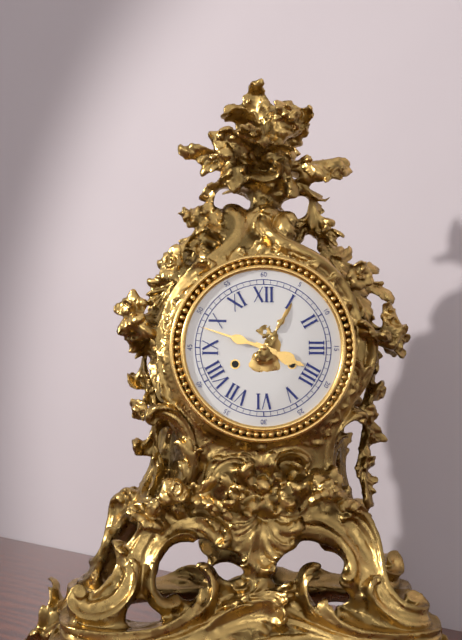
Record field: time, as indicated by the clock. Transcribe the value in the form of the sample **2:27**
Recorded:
**3:48**
